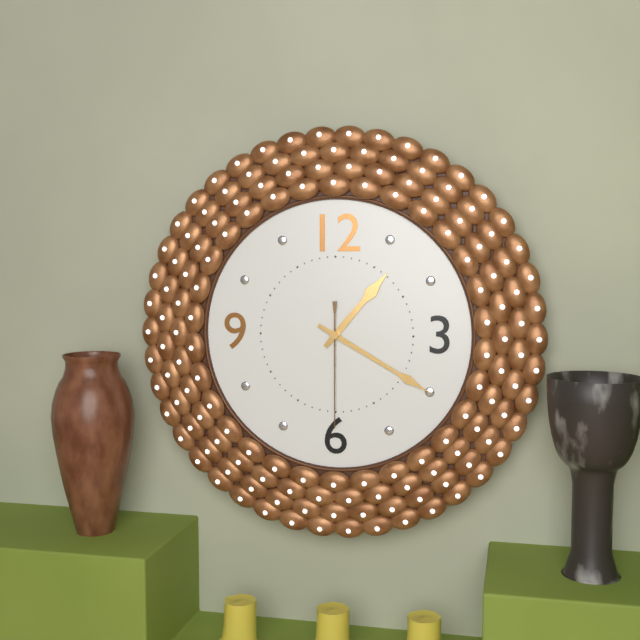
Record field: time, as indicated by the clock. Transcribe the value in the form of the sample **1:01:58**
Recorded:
**1:20:30**
